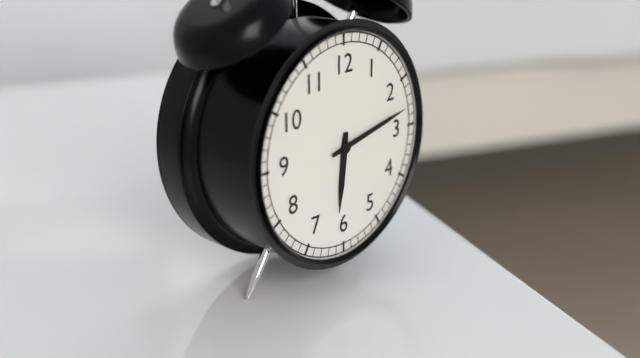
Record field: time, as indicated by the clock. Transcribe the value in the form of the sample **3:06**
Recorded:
**6:13**
